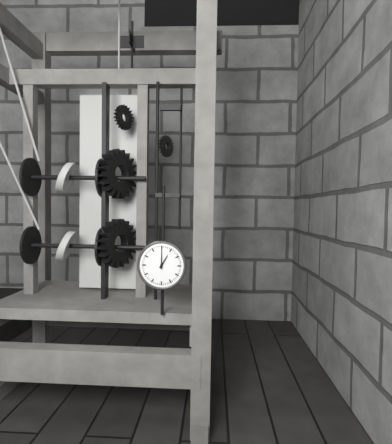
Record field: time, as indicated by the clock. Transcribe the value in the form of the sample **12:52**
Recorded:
**1:00**
